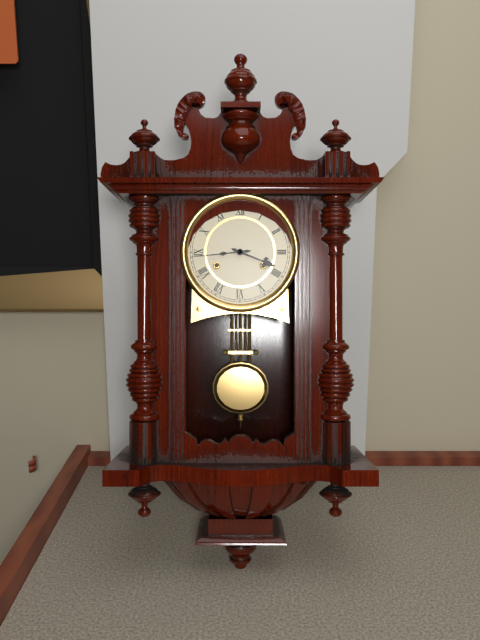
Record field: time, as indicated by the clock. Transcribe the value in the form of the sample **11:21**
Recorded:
**3:44**
